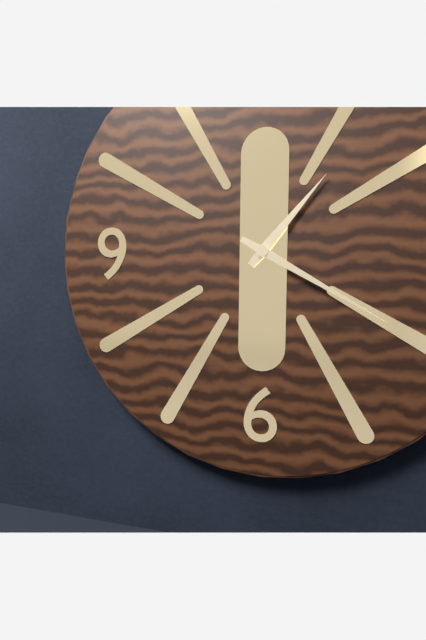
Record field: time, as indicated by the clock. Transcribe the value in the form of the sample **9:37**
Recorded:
**1:20**
